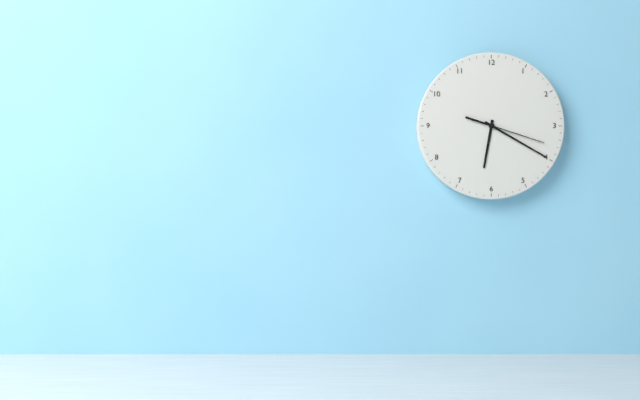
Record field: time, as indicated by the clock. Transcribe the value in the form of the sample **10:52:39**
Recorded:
**6:20:18**
